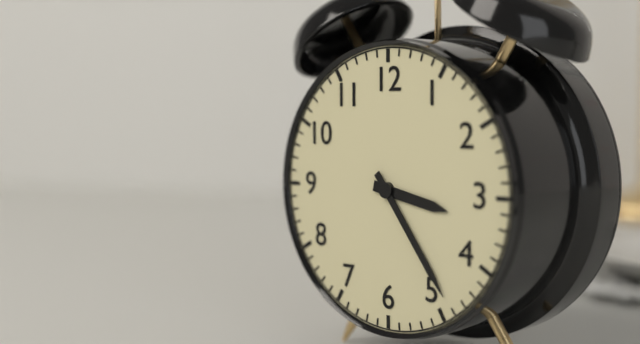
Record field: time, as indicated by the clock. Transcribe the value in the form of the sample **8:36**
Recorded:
**3:24**
